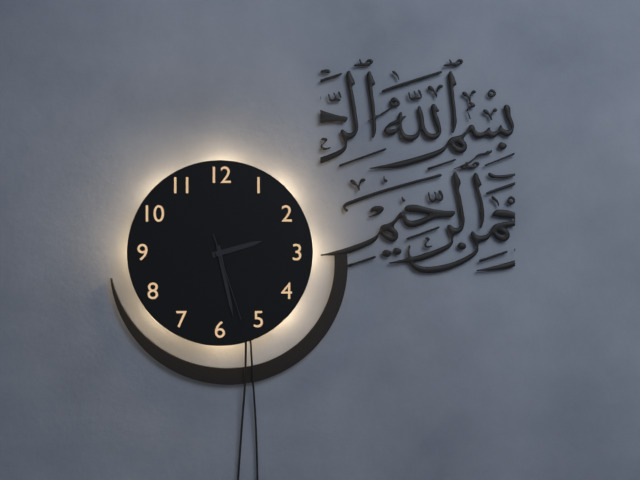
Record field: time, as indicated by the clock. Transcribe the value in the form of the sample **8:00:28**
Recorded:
**2:28:27**
